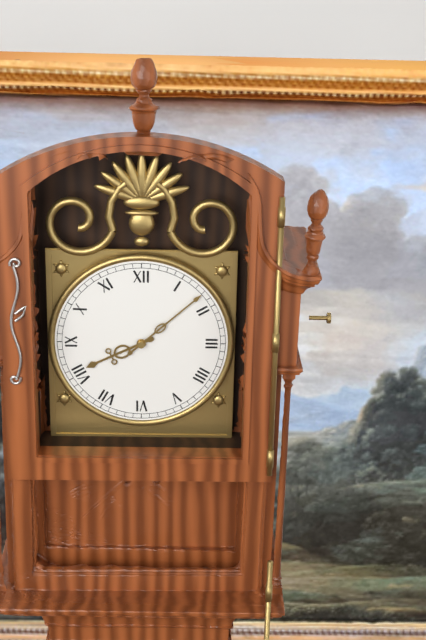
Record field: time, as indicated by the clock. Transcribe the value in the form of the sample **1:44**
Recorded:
**8:08**
